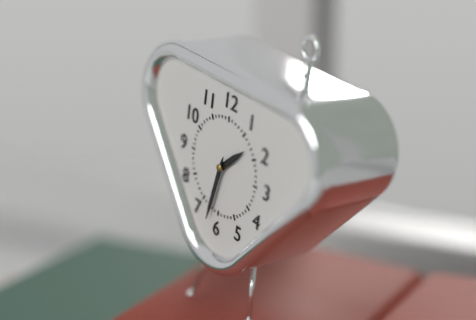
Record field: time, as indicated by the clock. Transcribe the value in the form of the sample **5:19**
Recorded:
**1:32**
